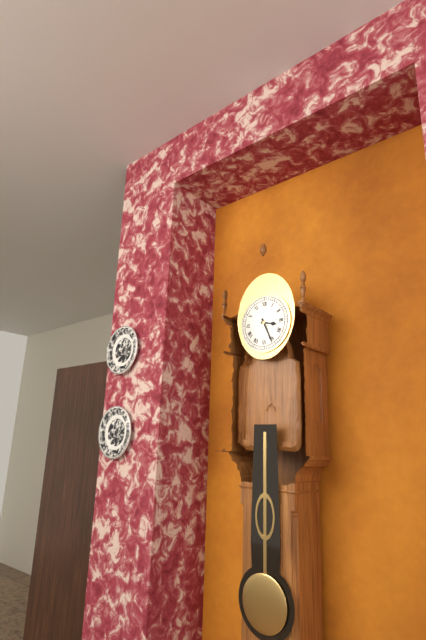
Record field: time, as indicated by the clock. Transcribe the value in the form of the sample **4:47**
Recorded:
**3:26**
